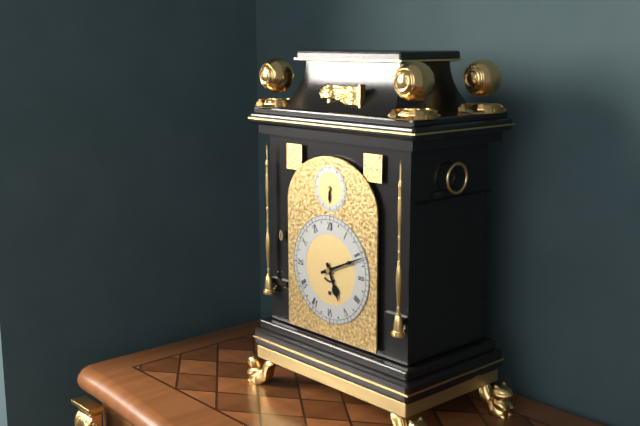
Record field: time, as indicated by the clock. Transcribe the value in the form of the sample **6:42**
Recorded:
**5:11**
